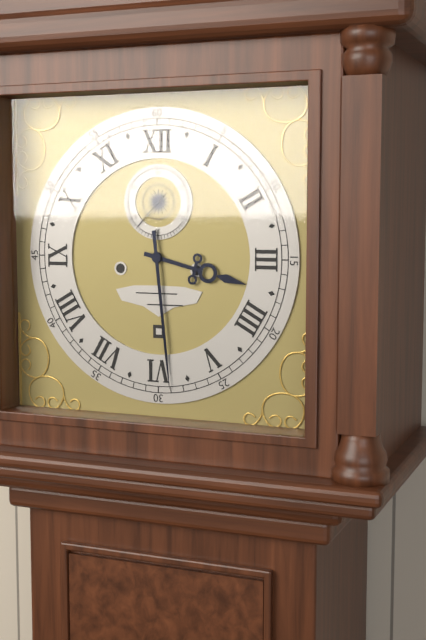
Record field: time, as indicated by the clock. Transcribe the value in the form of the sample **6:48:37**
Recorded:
**3:29:37**
